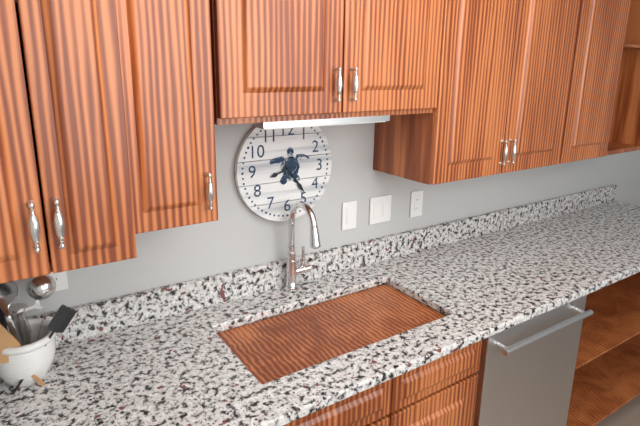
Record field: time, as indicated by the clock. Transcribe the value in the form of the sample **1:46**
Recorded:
**8:24**
